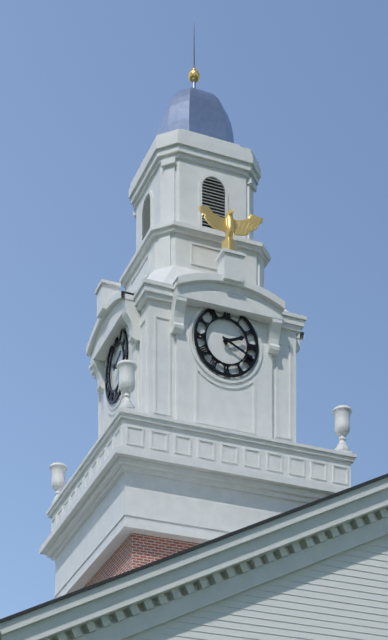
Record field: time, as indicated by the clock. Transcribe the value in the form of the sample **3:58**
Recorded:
**2:19**
